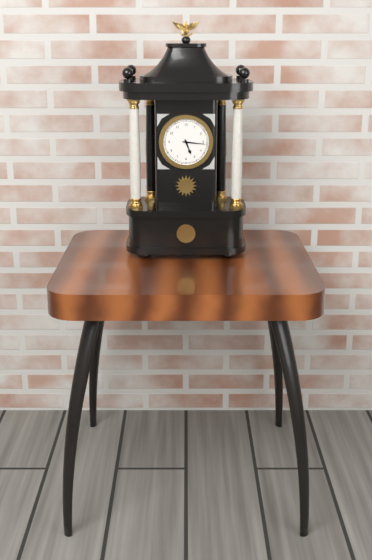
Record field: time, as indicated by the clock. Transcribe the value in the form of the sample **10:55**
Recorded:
**5:16**
